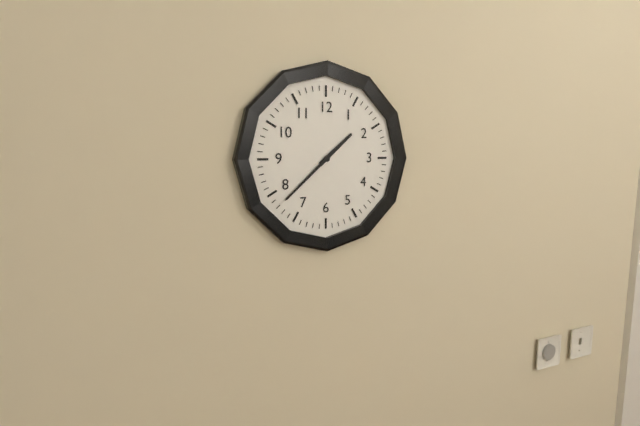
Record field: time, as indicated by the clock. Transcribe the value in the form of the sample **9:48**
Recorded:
**1:38**
